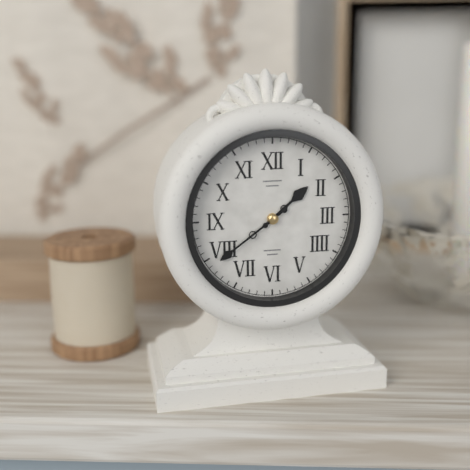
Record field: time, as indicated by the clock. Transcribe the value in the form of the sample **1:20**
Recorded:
**1:39**
